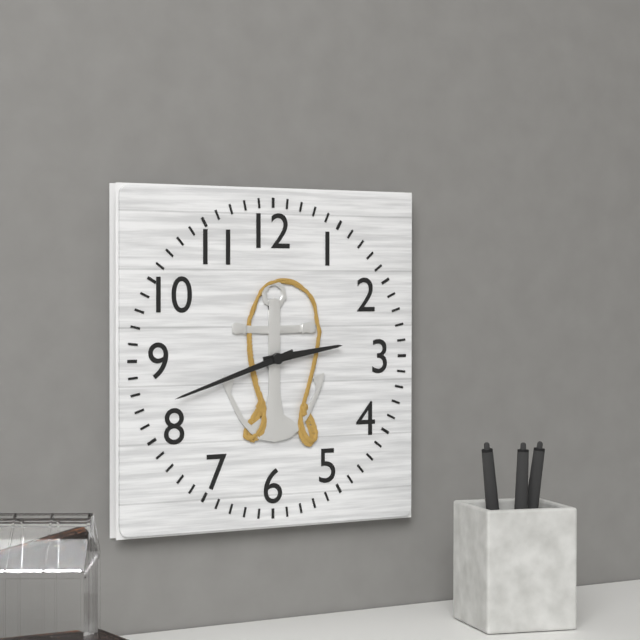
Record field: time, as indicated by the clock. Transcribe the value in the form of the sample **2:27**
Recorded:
**2:42**
